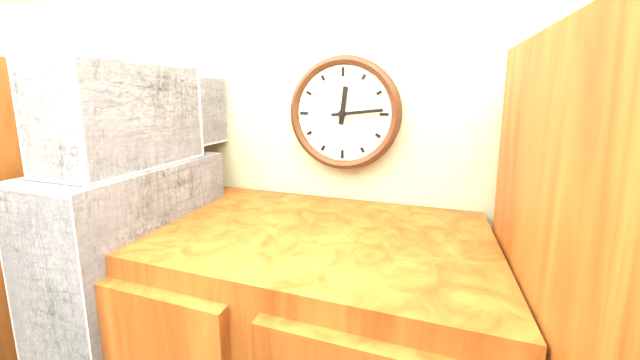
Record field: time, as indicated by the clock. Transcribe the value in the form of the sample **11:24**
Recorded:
**12:14**
